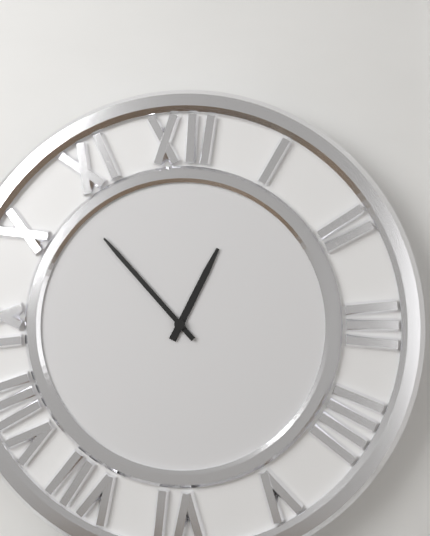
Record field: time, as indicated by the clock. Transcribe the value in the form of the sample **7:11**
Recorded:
**12:53**
